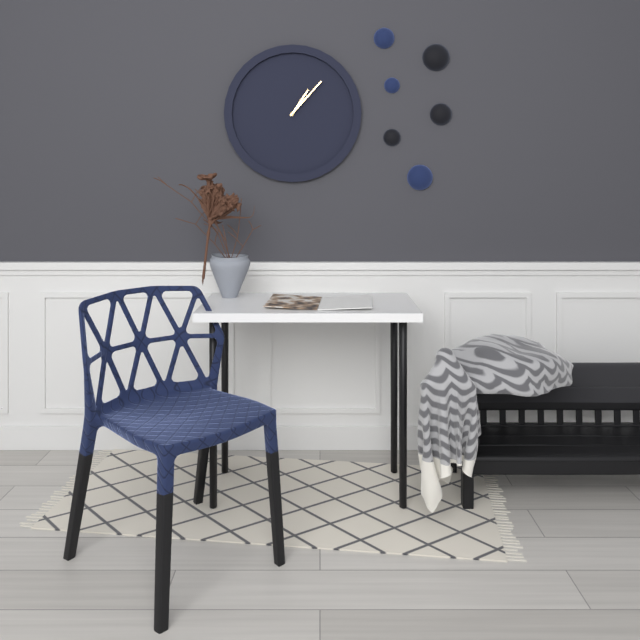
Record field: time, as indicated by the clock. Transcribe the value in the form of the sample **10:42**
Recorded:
**1:07**
